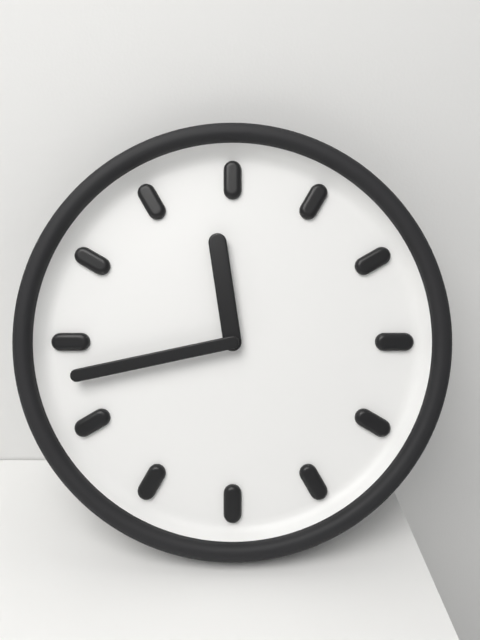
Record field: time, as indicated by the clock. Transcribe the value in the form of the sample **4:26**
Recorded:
**11:43**
